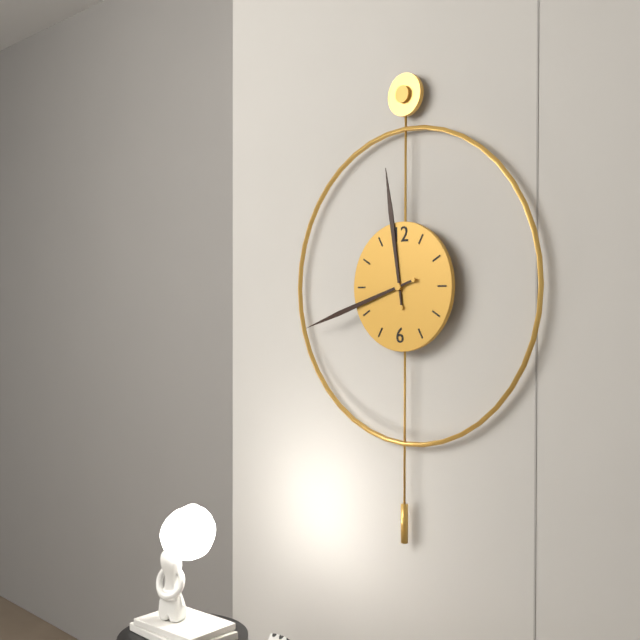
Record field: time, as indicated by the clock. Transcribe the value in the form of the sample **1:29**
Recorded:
**11:42**
